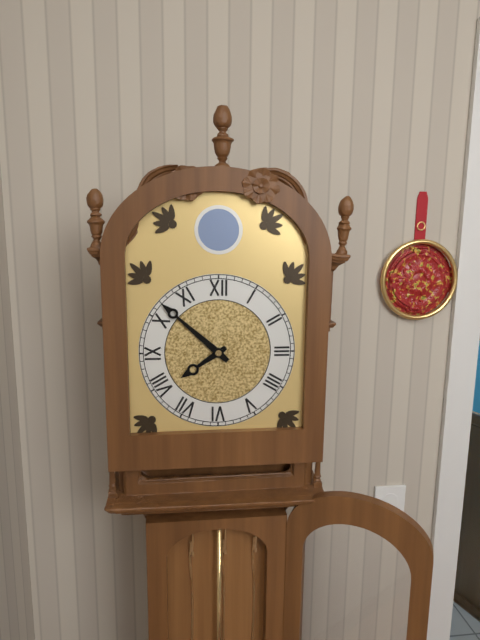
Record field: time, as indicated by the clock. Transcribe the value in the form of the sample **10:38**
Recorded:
**7:52**
